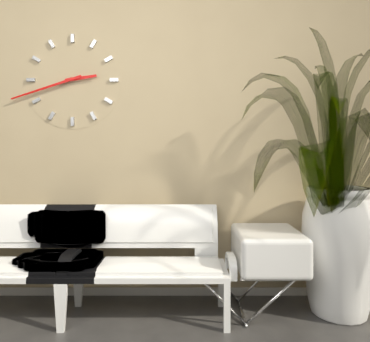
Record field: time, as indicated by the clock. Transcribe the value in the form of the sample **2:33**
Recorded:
**2:42**
